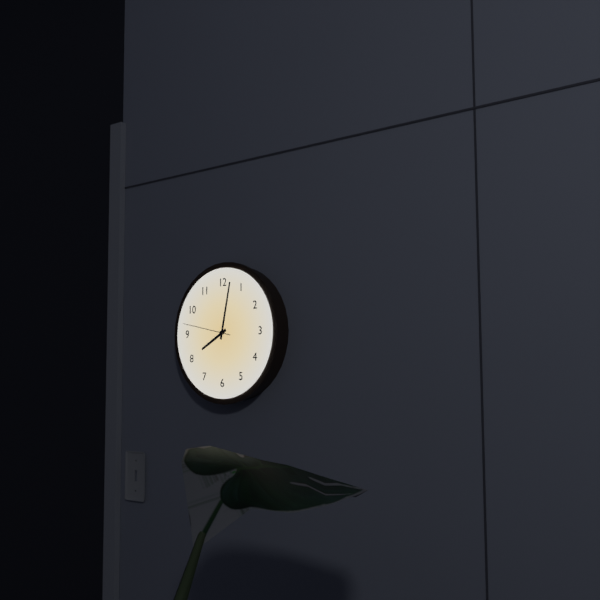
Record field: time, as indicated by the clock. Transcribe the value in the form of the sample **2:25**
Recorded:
**8:02**
